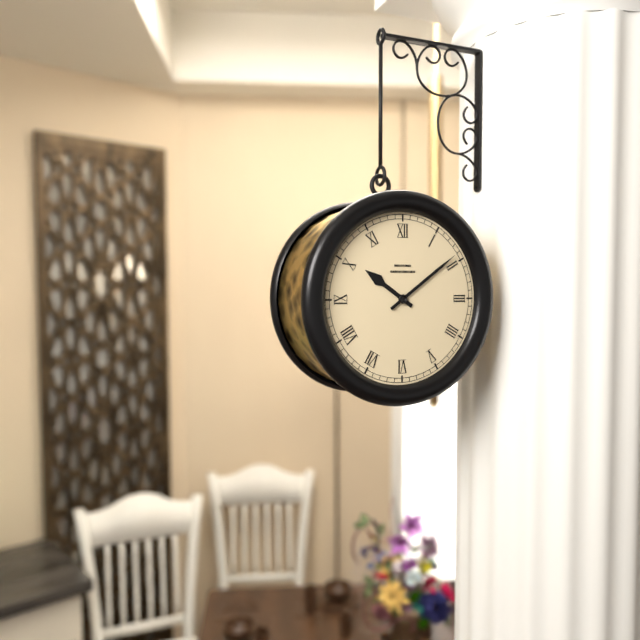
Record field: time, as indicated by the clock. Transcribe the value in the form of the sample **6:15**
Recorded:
**10:09**
